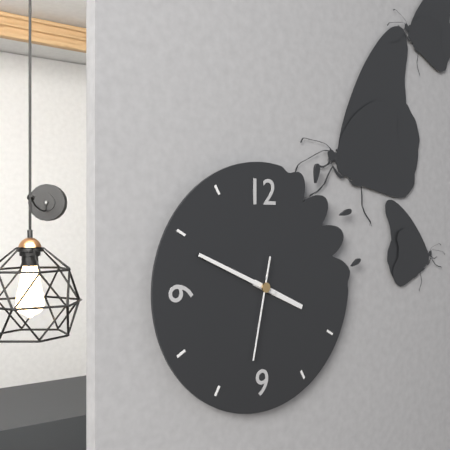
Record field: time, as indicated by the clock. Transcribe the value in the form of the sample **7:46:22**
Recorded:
**3:49:32**
